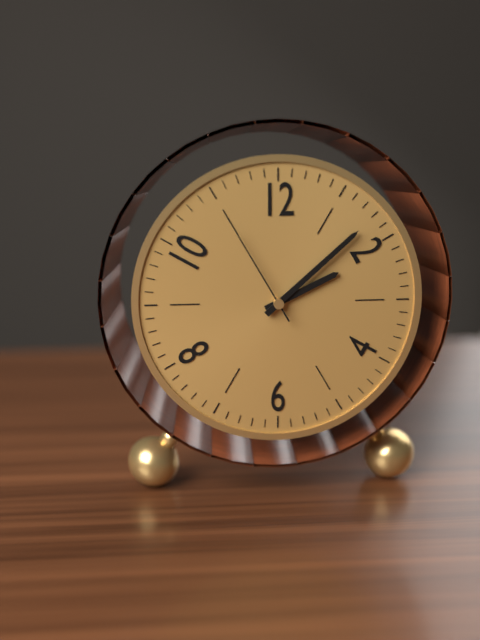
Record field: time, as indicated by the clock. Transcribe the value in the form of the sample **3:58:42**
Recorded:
**2:08:55**
